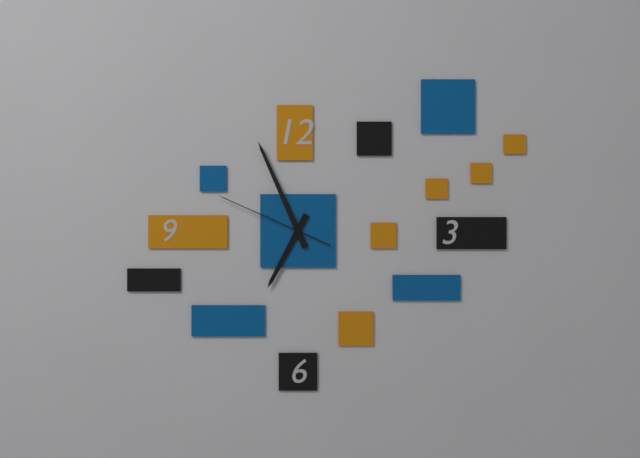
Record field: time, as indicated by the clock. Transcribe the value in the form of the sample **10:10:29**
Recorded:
**6:56:49**
